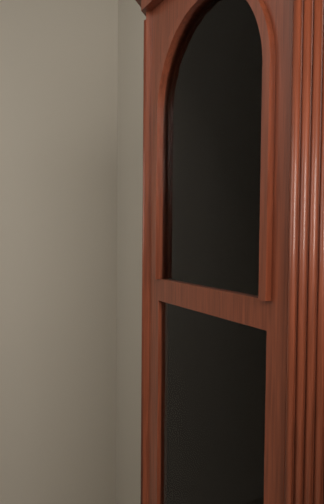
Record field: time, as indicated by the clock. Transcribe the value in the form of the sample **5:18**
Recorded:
**5:40**
